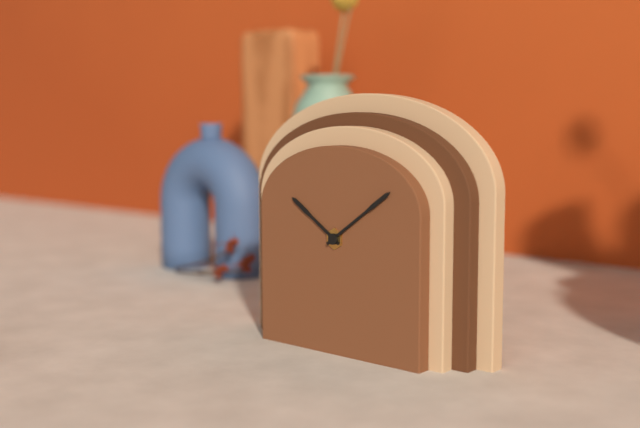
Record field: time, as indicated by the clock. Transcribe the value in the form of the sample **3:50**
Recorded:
**10:09**
